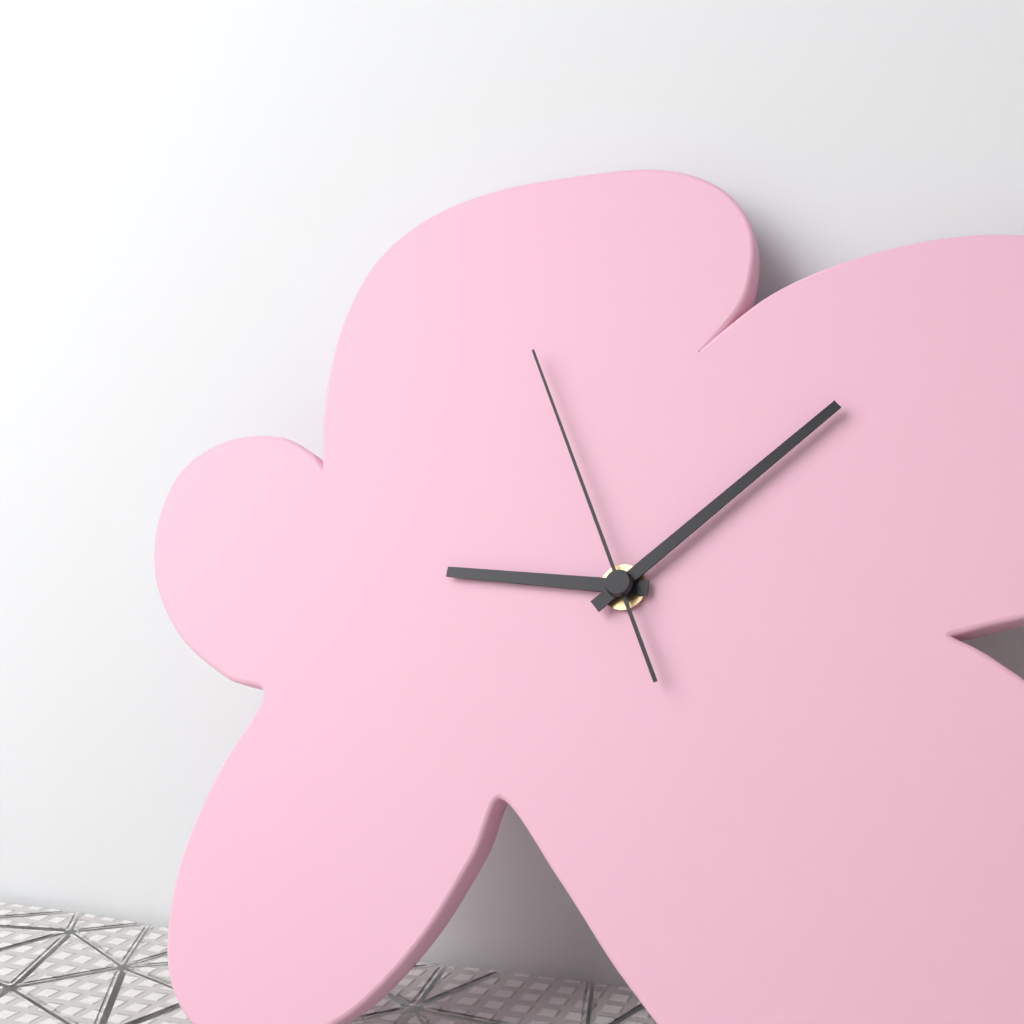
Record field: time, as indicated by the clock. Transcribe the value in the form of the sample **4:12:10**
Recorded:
**9:08:56**
